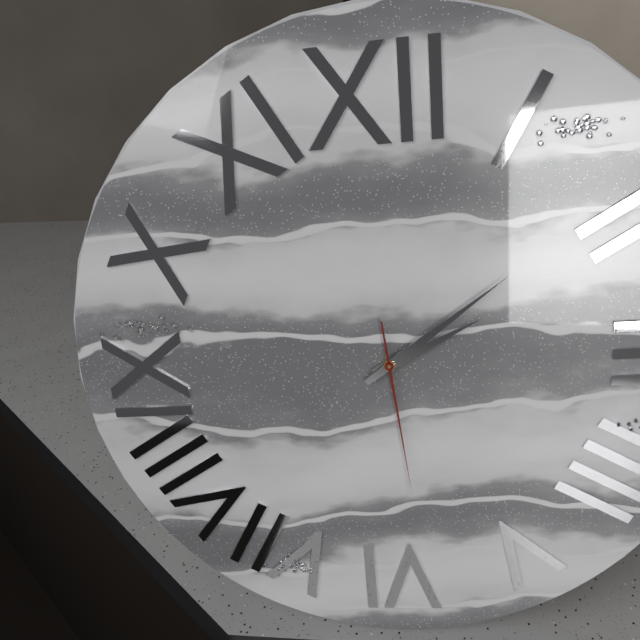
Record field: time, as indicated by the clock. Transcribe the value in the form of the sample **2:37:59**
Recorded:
**2:09:29**
